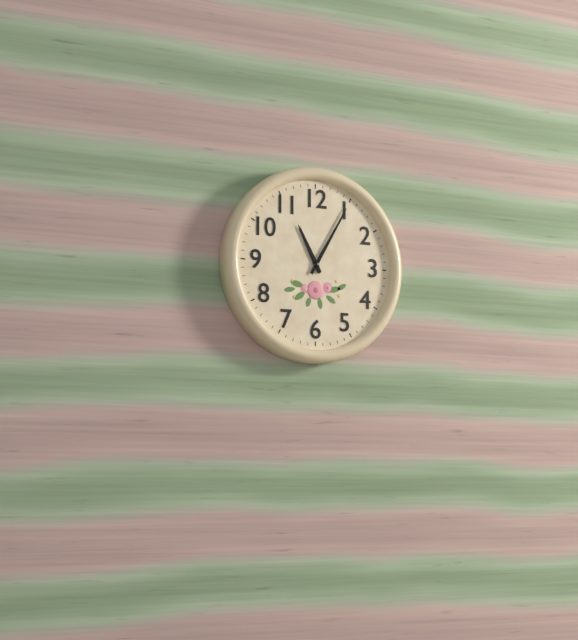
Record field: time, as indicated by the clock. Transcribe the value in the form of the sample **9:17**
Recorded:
**11:05**
